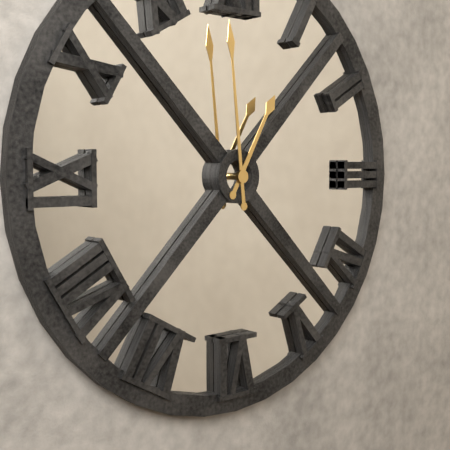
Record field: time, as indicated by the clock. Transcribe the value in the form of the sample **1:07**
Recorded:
**12:59**
